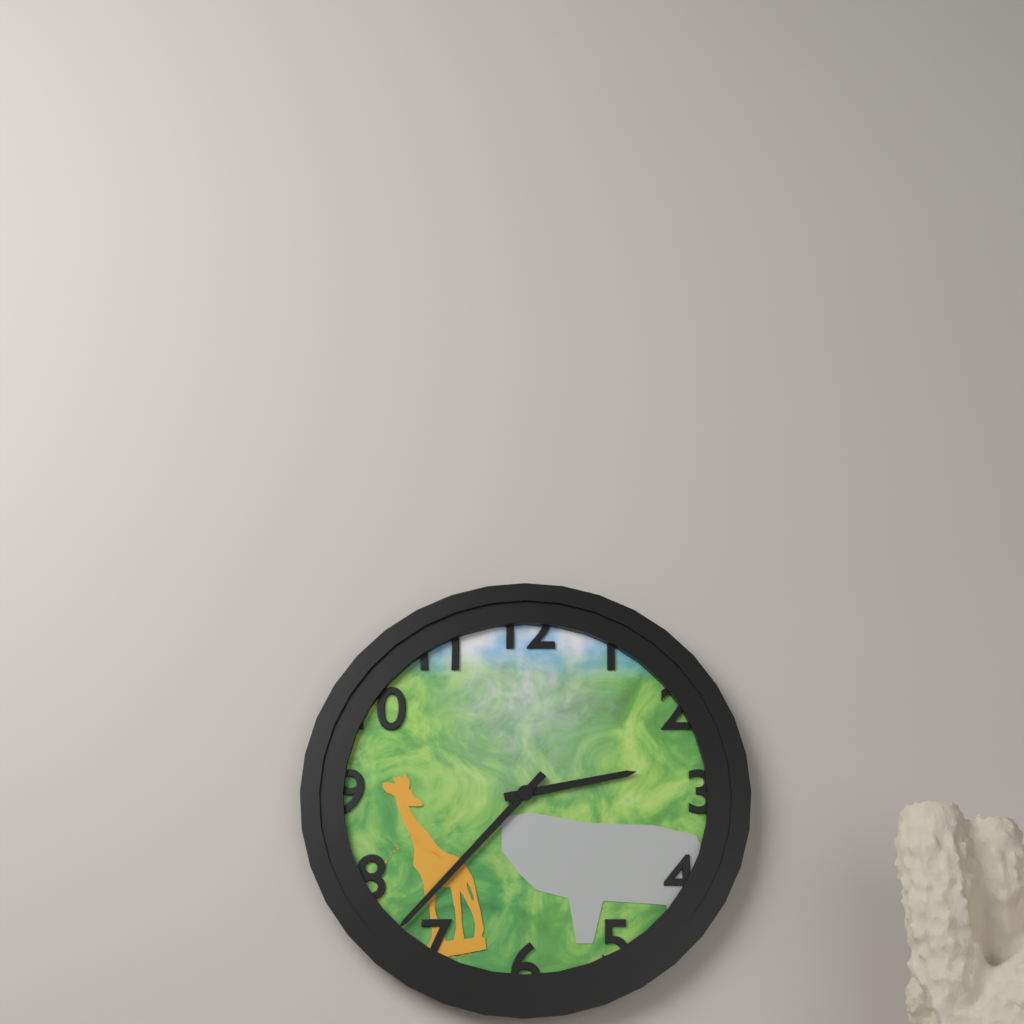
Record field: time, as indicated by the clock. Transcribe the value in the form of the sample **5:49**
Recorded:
**2:37**
